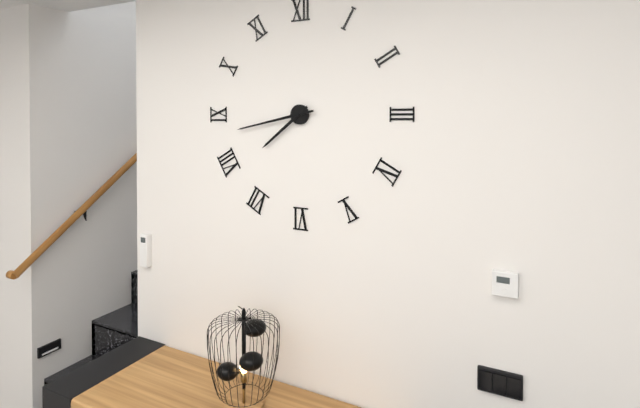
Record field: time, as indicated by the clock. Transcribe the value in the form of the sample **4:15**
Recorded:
**7:43**
